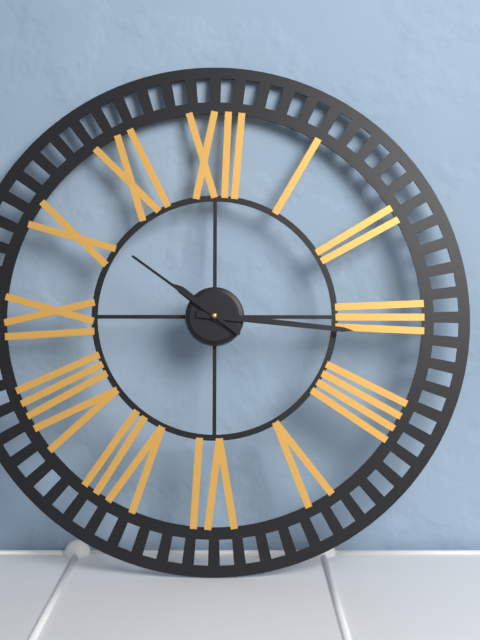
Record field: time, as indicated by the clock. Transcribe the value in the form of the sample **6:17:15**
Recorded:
**10:16:51**
